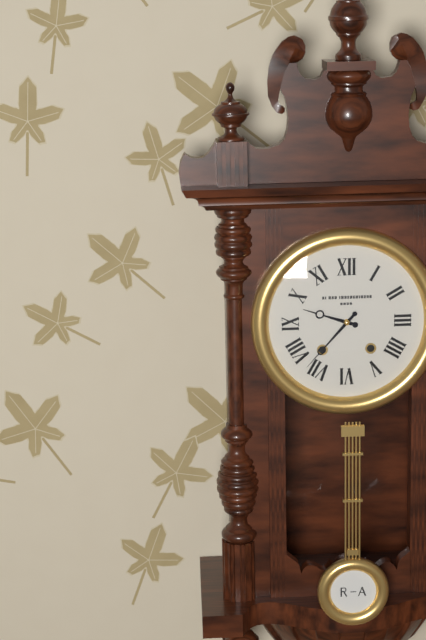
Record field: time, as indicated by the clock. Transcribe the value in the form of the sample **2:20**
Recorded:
**9:37**
